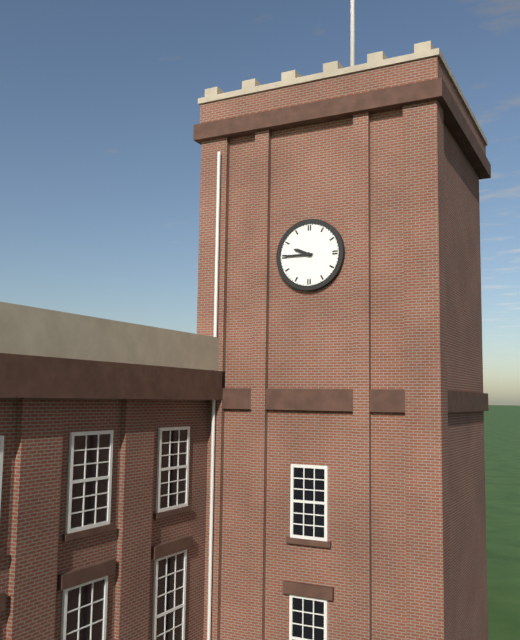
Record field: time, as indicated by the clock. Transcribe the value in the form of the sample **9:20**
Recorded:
**9:45**
